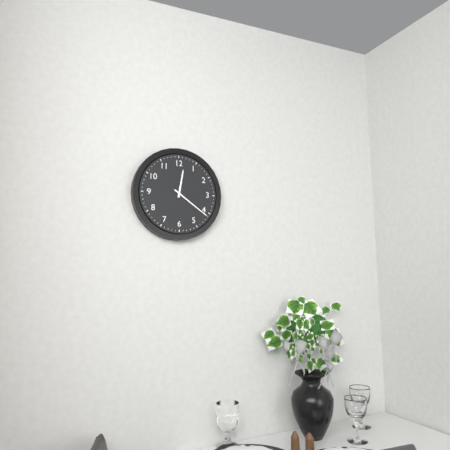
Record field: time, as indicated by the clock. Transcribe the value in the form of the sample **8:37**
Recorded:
**12:21**
